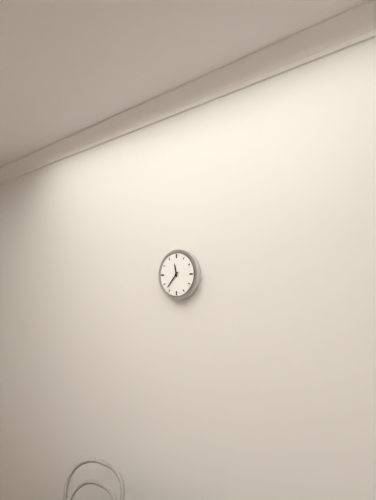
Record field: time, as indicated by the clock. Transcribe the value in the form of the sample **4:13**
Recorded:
**11:37**
